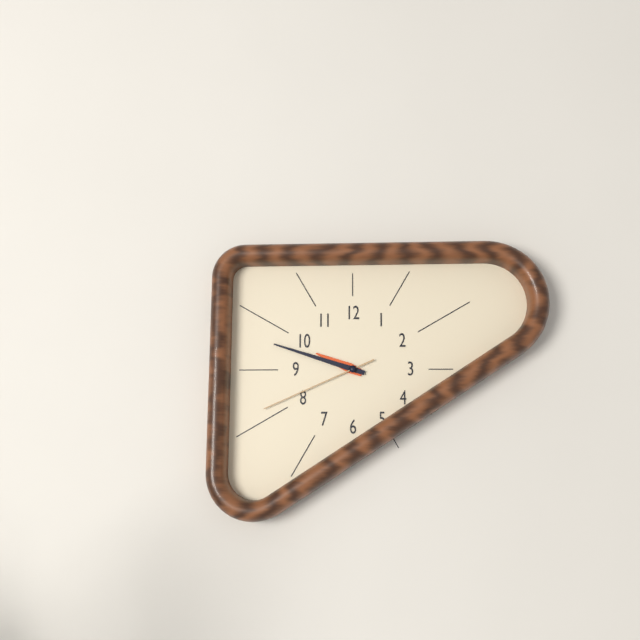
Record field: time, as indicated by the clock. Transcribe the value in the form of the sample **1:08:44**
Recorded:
**9:48:41**
